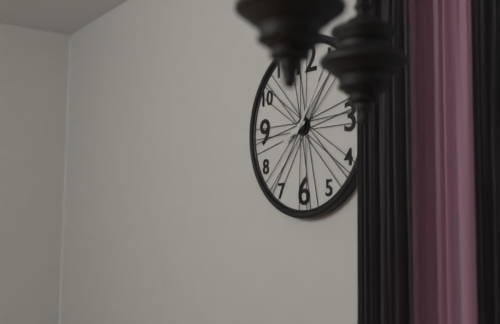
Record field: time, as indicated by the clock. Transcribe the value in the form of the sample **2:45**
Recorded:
**8:06**
